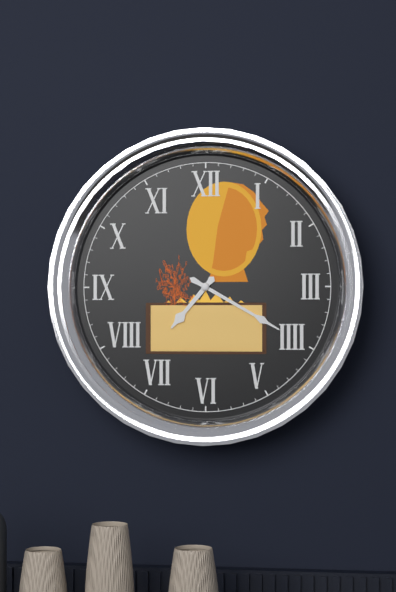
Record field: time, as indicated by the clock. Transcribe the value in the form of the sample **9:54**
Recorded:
**7:20**
